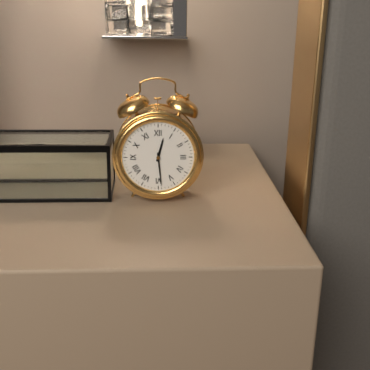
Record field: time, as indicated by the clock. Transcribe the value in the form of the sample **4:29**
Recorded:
**12:29**
